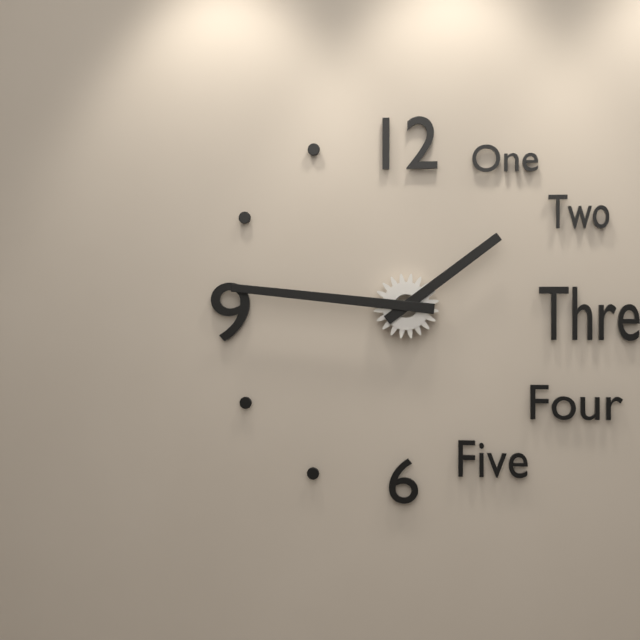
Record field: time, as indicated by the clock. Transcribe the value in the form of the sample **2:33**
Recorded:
**1:46**
